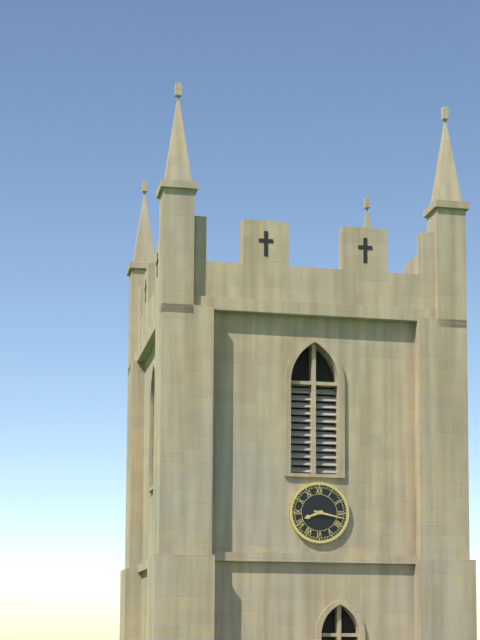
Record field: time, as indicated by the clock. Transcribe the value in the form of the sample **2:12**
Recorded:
**8:17**
